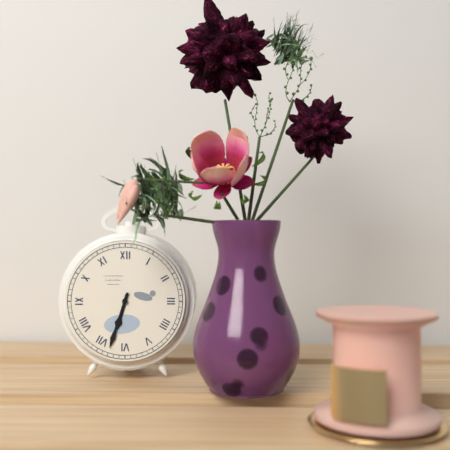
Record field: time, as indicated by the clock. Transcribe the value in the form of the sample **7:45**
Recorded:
**6:33**
